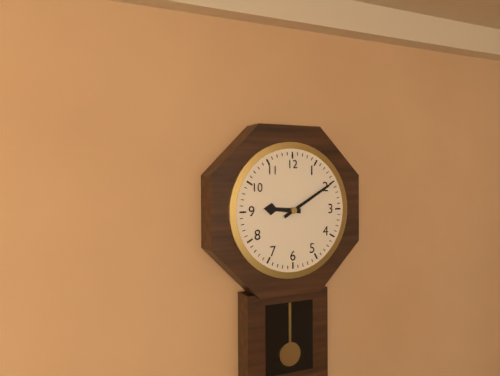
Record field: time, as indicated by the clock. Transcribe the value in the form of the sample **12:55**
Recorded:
**9:10**
